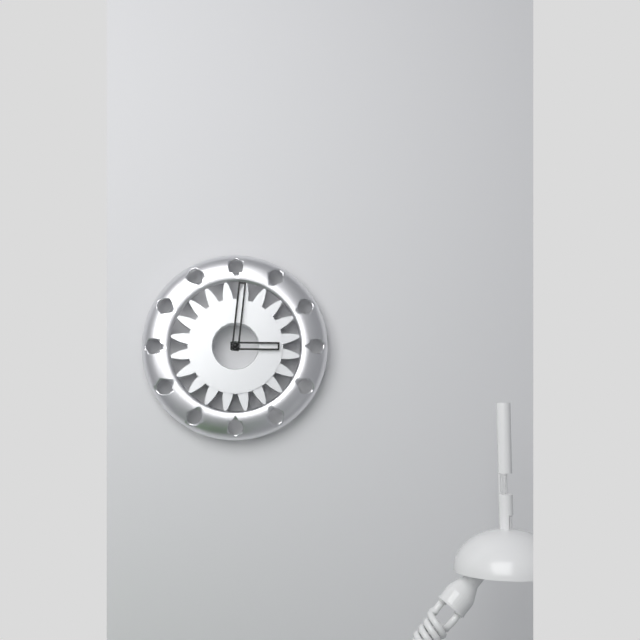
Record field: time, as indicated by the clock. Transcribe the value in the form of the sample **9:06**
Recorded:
**3:01**
